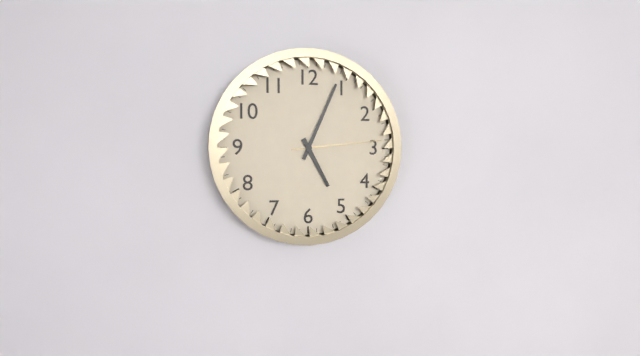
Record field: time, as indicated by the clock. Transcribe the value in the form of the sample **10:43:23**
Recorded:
**5:04:14**
